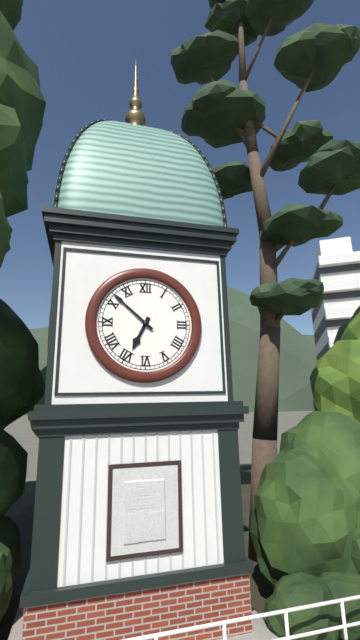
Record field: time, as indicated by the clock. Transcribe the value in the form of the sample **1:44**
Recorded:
**6:52**
